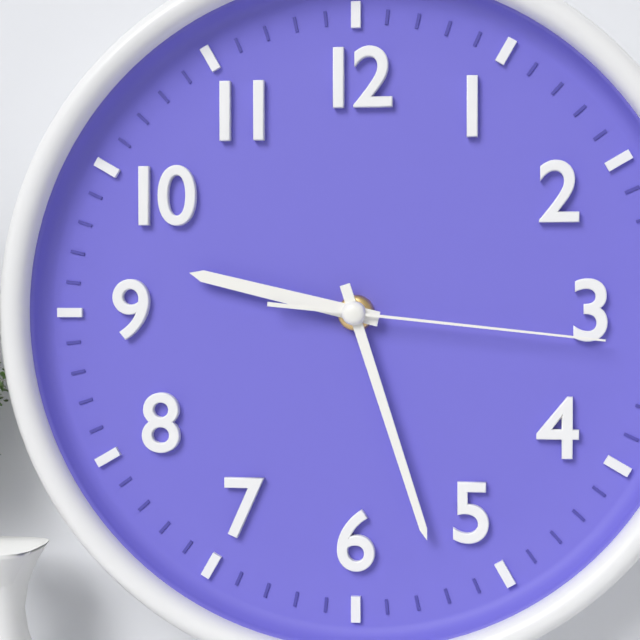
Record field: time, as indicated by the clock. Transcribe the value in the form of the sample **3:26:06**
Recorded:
**9:27:16**
